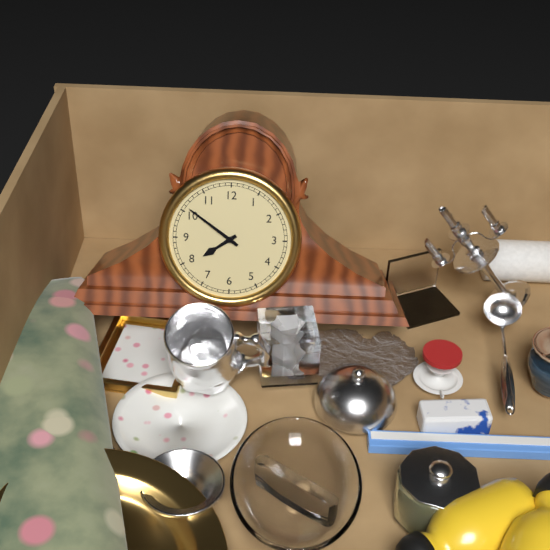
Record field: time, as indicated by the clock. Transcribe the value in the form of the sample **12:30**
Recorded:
**7:51**
